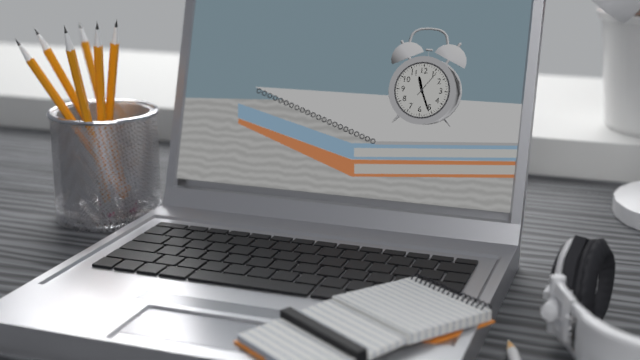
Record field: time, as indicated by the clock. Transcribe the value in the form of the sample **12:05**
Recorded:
**11:26**
